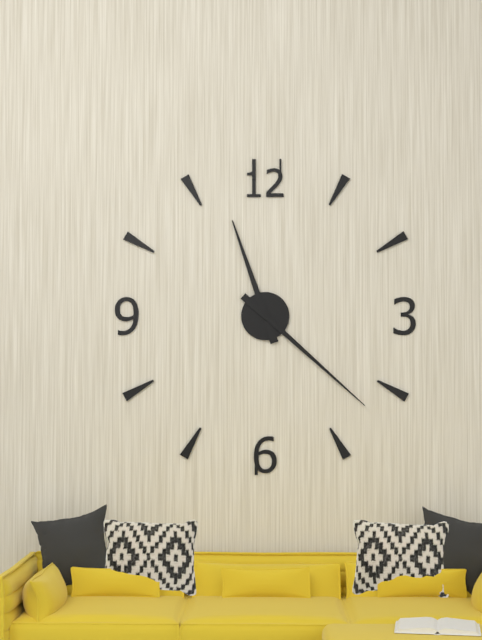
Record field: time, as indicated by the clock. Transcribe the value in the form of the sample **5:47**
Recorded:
**11:22**
